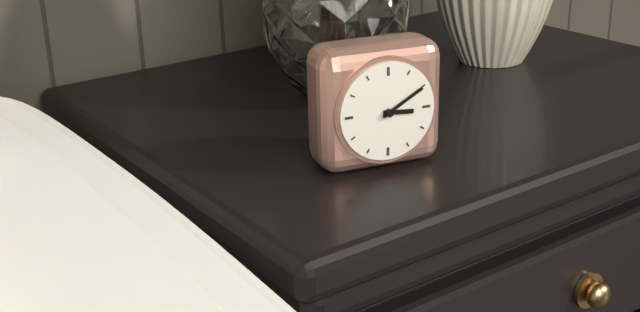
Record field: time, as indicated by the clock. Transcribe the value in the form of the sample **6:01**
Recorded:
**3:10**
